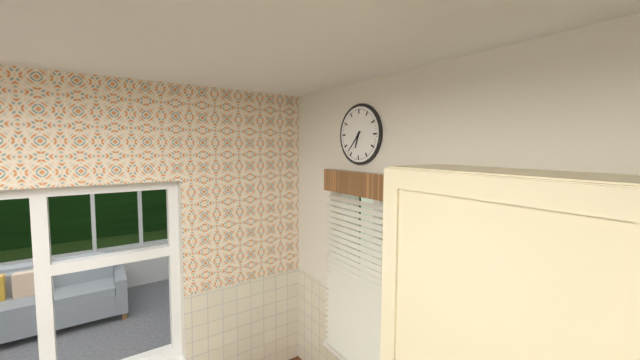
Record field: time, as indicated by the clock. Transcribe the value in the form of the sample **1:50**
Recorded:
**6:37**
